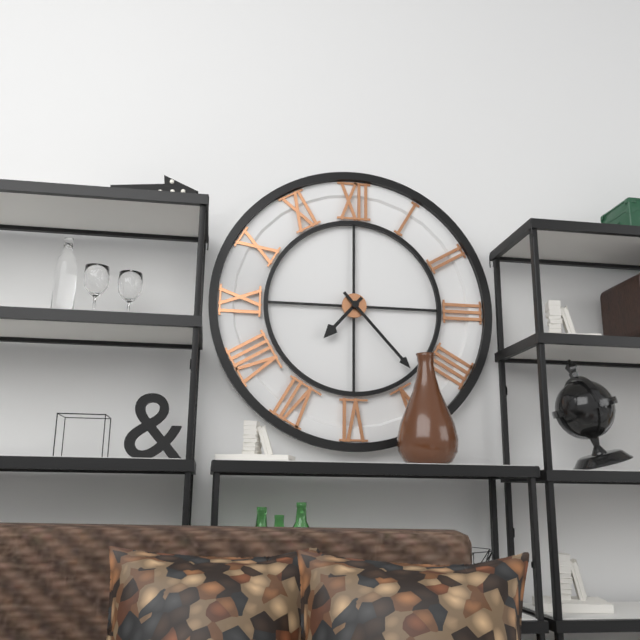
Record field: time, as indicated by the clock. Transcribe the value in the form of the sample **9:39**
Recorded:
**7:23**
